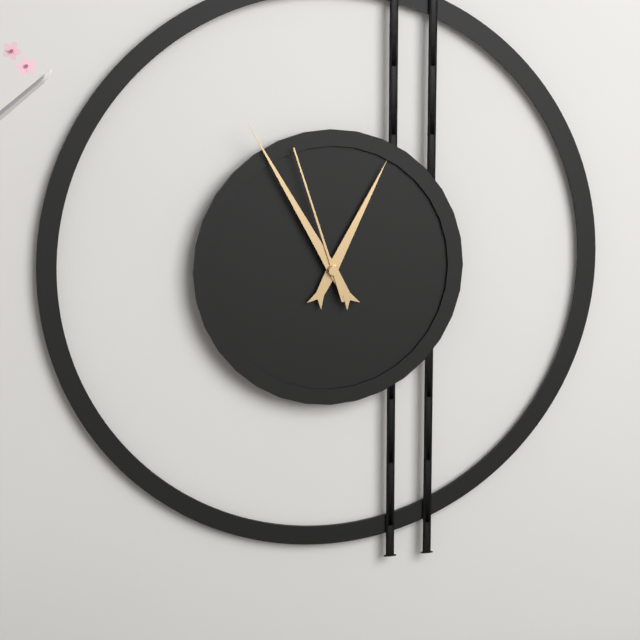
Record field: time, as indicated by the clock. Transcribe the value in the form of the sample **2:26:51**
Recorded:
**12:55:57**
